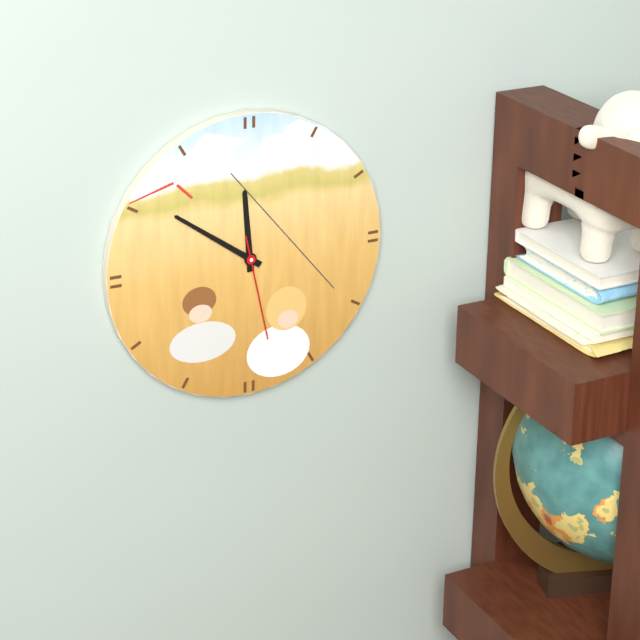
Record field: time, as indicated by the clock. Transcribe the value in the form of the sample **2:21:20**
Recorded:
**11:51:28**
